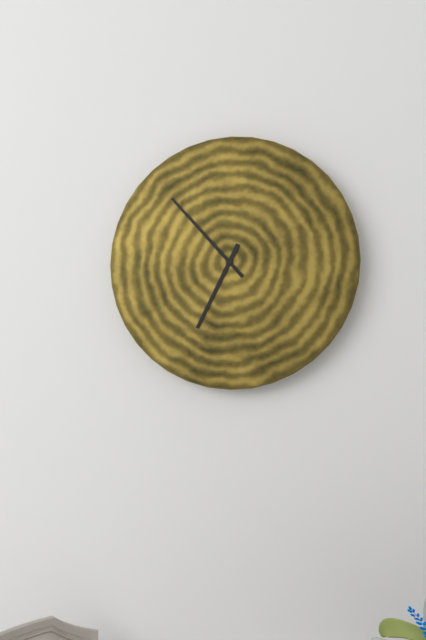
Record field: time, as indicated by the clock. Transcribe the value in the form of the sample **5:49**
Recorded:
**6:53**
